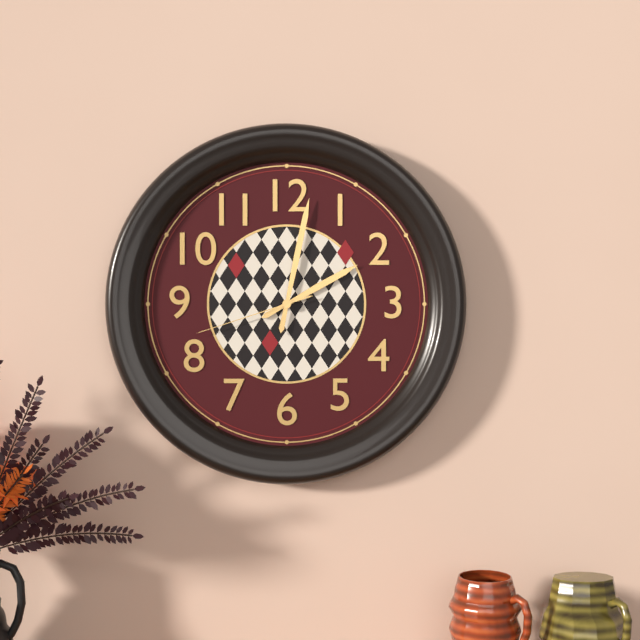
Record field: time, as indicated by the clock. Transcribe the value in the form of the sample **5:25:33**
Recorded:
**2:02:42**
